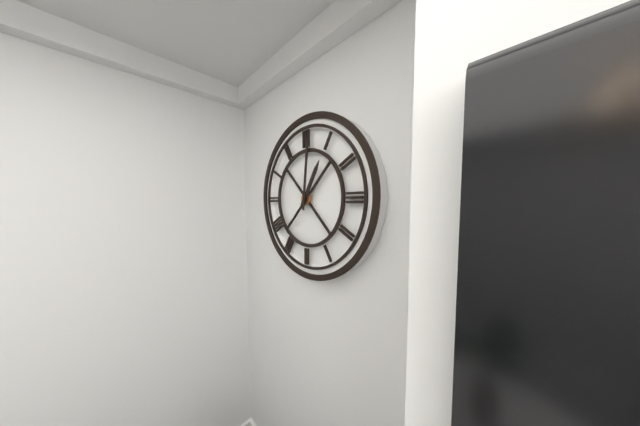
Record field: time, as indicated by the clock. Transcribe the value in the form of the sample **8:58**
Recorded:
**1:01**
